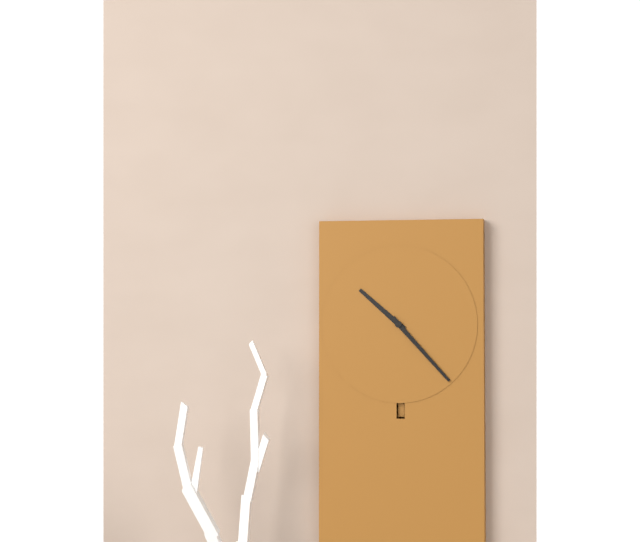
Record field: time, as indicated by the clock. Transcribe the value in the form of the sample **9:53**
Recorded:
**10:23**
